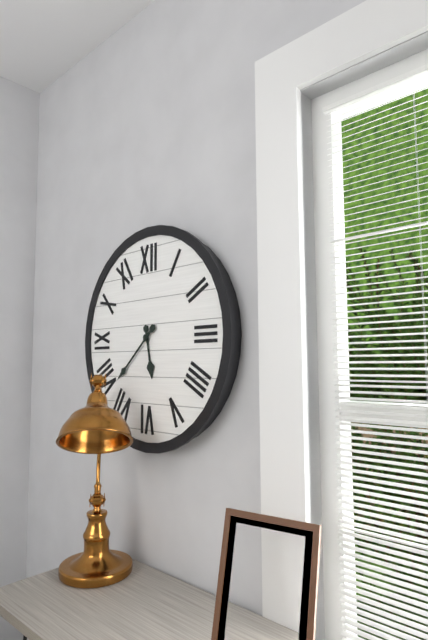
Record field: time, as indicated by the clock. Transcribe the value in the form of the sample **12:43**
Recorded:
**5:38**
